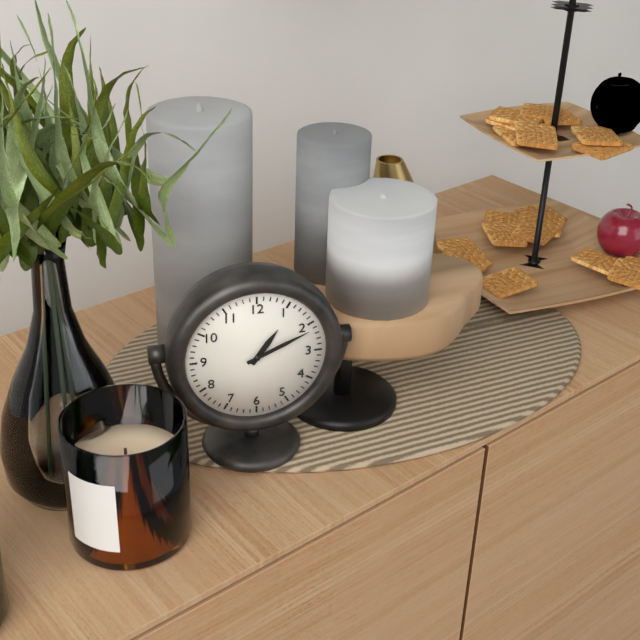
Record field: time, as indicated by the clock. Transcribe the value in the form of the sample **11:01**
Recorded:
**1:11**
